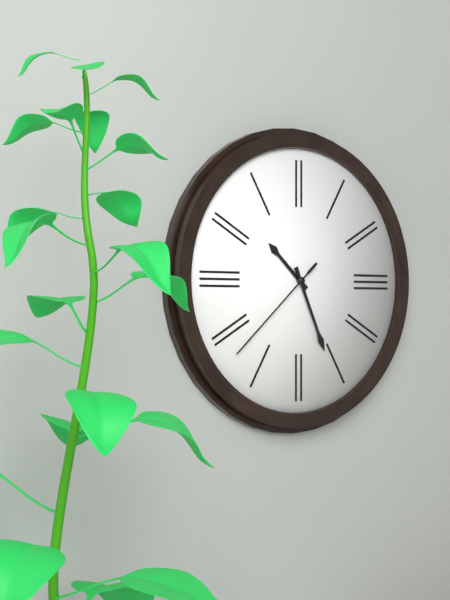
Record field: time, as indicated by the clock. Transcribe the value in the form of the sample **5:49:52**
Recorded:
**10:26:38**
